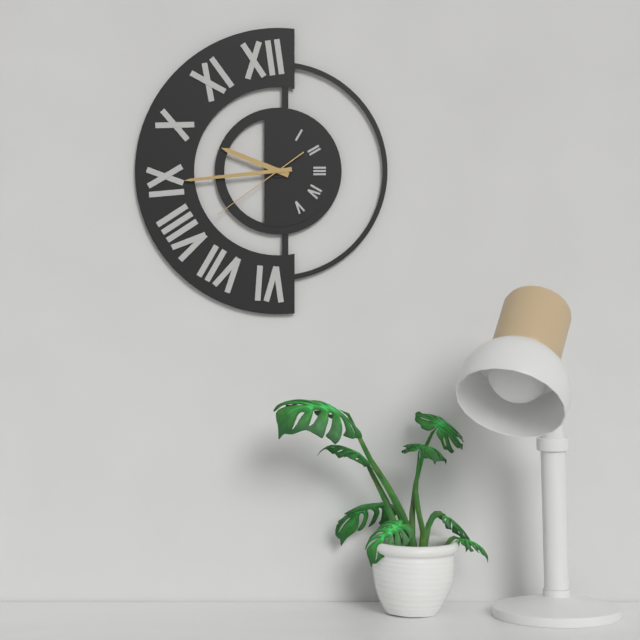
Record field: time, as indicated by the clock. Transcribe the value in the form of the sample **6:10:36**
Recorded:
**9:44:39**
